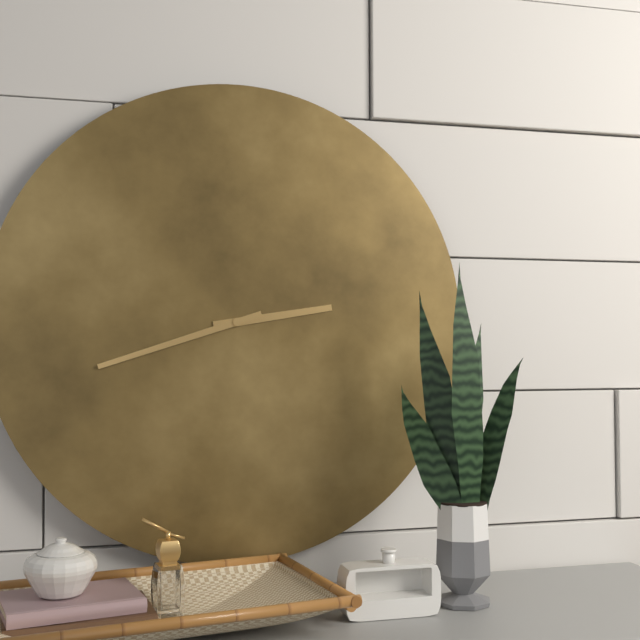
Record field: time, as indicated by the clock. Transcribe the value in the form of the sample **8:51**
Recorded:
**2:42**
